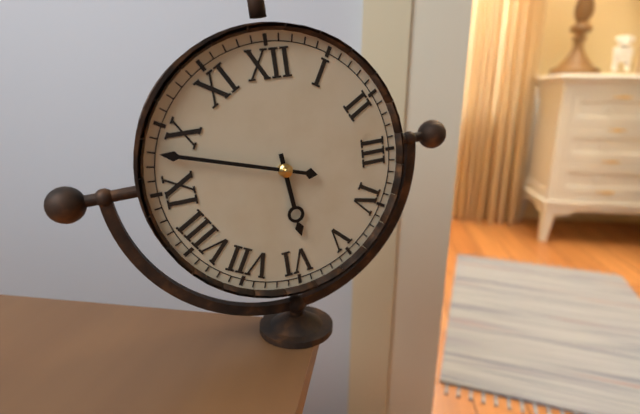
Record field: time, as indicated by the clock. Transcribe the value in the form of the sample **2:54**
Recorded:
**5:48**
